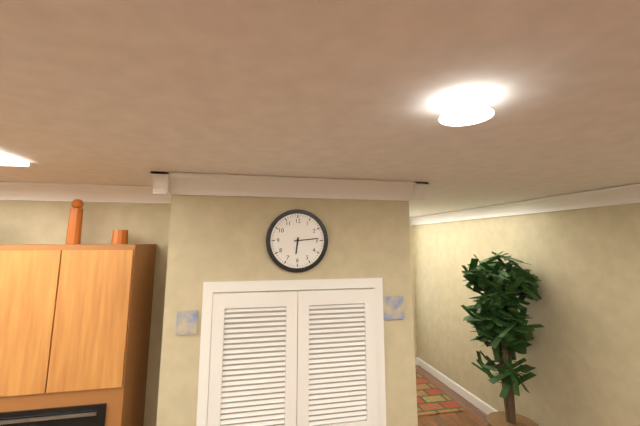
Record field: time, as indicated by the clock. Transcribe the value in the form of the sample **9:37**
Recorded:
**6:14**
